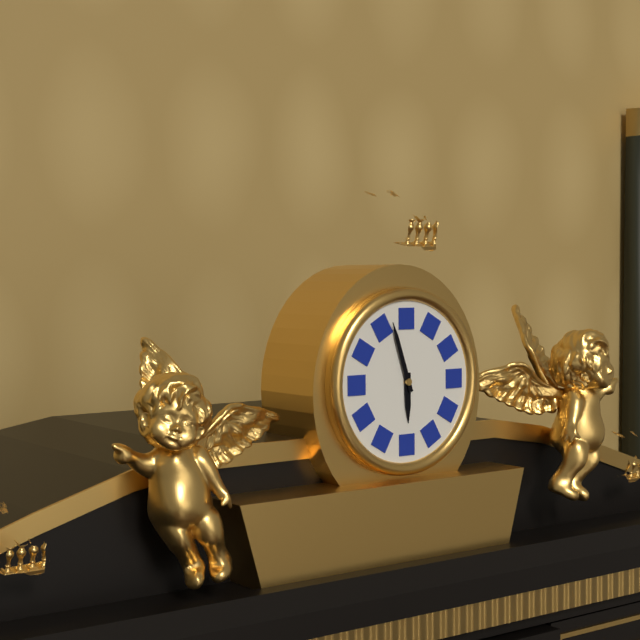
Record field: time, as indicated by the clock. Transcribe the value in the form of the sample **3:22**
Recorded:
**5:57**
